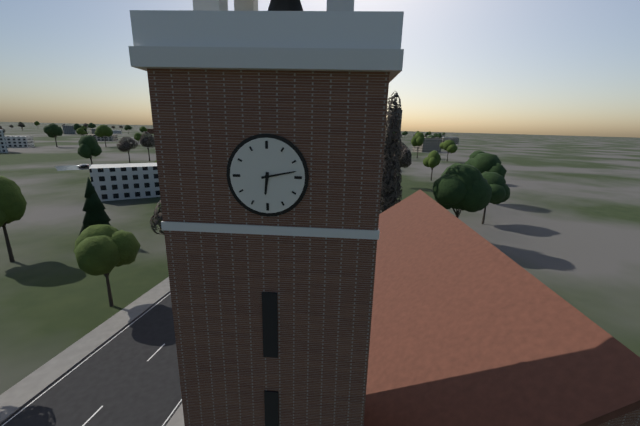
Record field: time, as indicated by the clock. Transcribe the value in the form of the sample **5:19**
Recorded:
**6:13**
